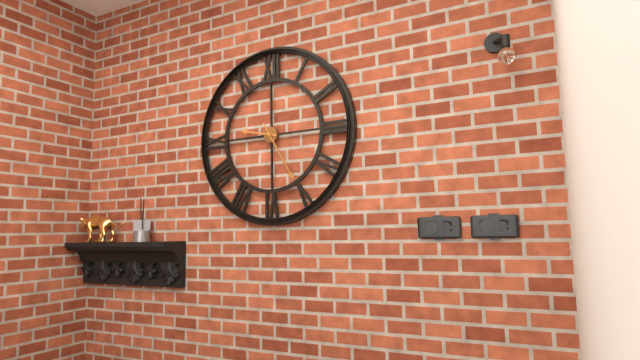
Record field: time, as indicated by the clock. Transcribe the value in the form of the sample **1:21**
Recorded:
**9:25**
